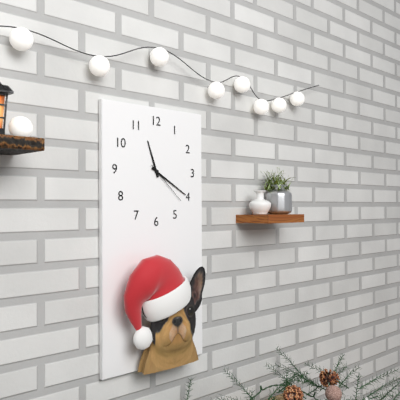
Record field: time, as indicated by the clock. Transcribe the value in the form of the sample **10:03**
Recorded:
**11:20**
